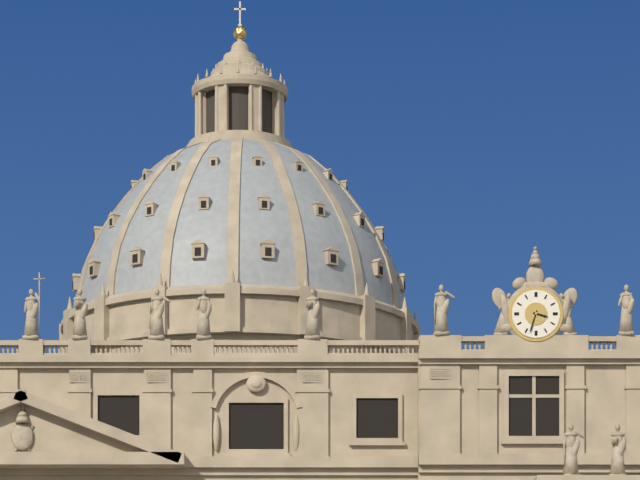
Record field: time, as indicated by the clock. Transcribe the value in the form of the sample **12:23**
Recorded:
**3:33**
